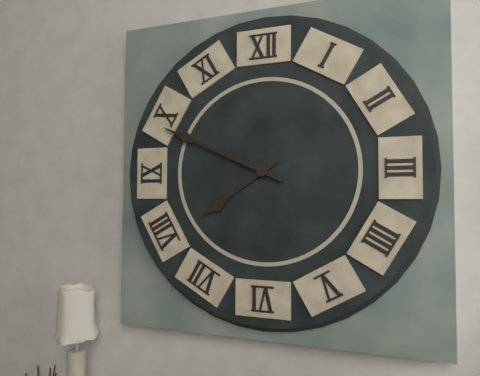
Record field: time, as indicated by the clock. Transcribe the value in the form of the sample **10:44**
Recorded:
**7:49**
